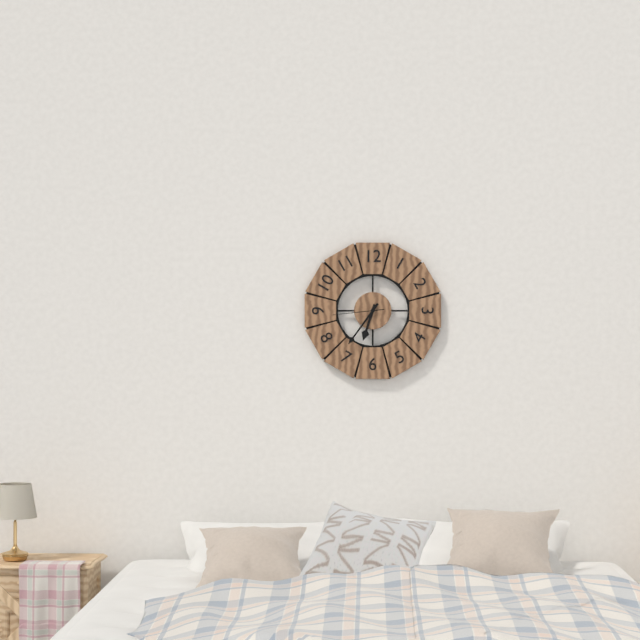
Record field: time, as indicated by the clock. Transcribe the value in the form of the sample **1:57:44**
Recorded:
**6:36:44**
